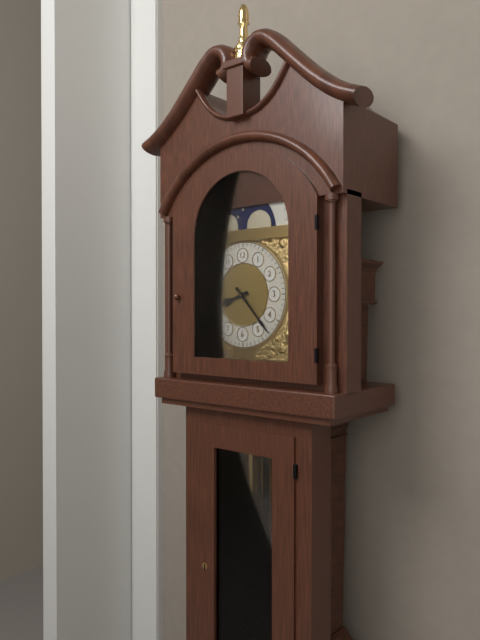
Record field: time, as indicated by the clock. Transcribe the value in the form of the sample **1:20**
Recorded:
**8:23**
